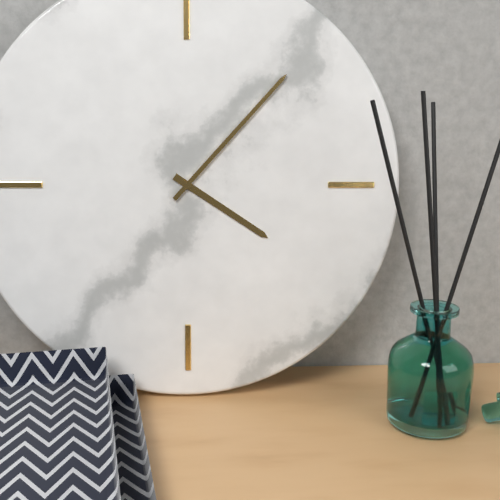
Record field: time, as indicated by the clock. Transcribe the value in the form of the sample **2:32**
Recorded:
**4:07**
